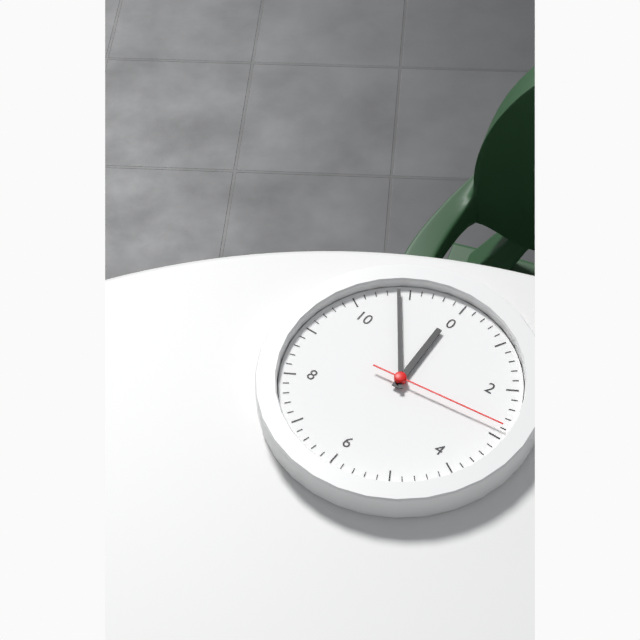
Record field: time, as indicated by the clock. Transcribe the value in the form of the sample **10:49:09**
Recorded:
**11:54:14**
